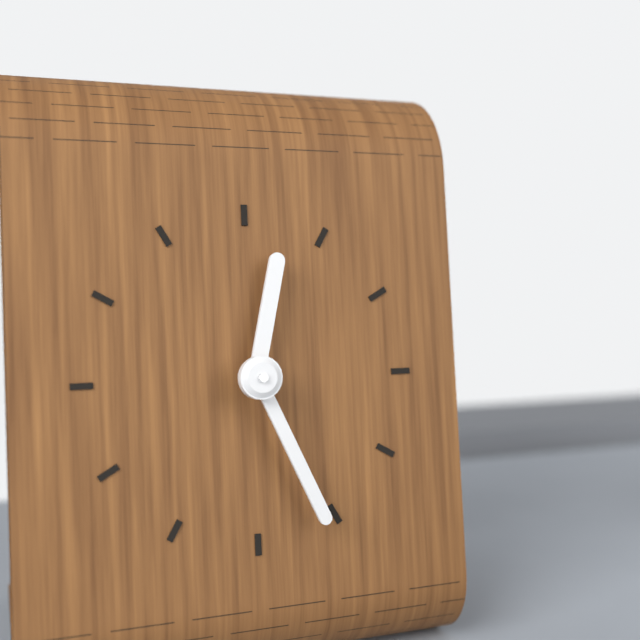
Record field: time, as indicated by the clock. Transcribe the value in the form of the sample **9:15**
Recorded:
**12:26**
